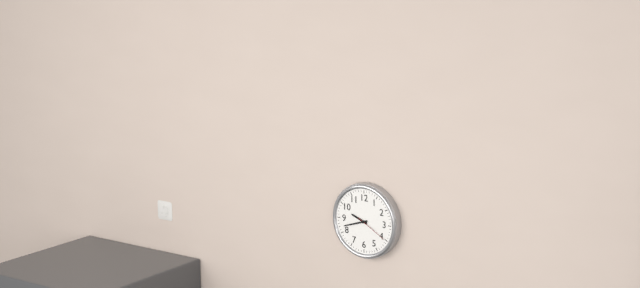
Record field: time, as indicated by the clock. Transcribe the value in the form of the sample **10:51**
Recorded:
**9:42**
